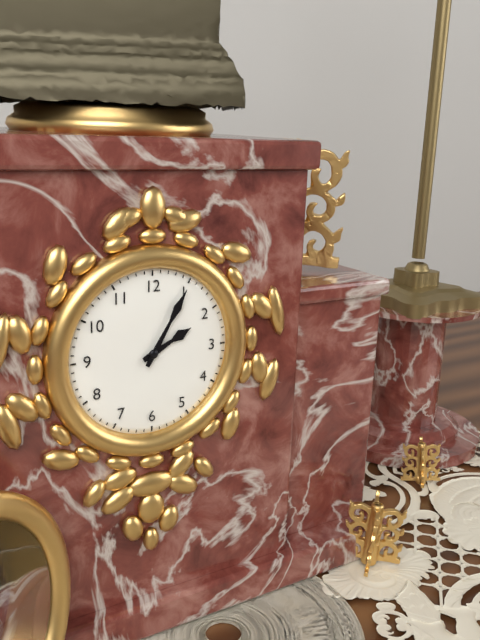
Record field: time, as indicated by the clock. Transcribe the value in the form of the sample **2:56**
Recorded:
**2:05**
